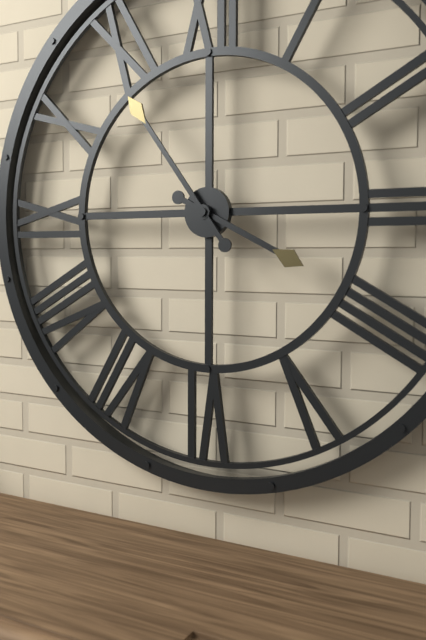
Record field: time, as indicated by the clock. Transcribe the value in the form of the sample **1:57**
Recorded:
**3:54**
